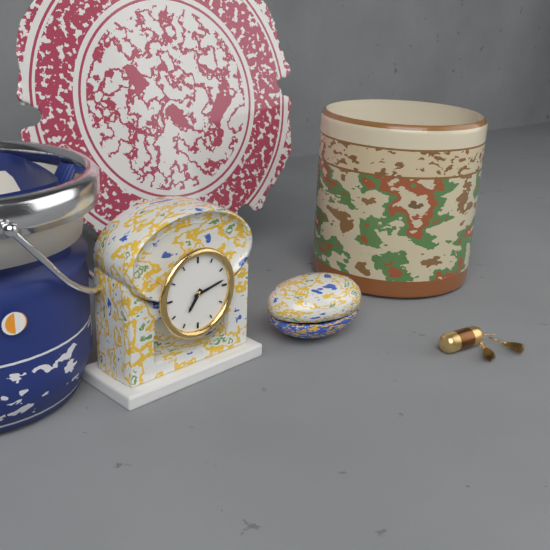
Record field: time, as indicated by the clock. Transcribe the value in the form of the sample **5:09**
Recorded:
**7:13**
